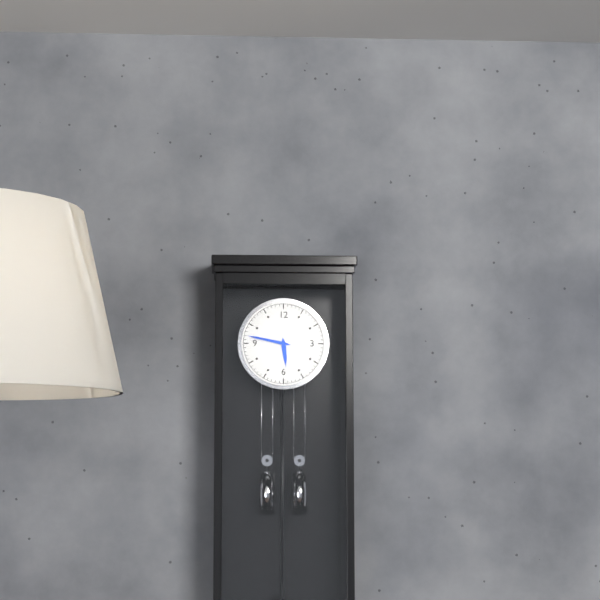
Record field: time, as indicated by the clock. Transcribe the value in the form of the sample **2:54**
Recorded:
**5:47**
